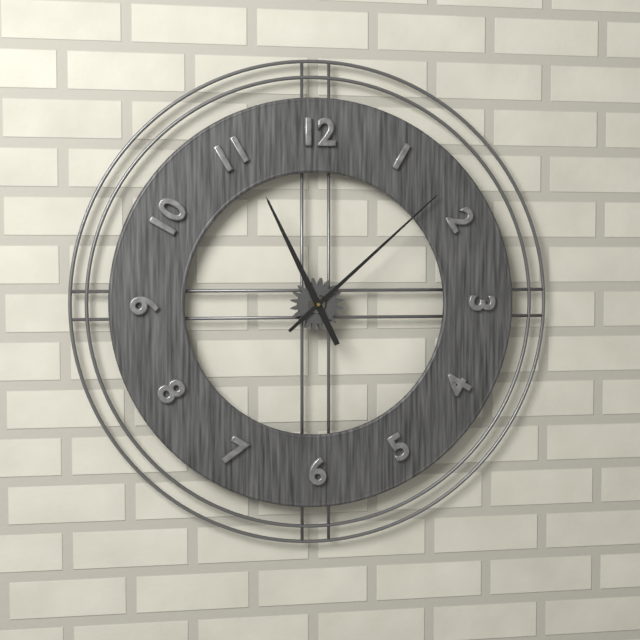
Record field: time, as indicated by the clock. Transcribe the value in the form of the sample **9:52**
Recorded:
**11:08**
